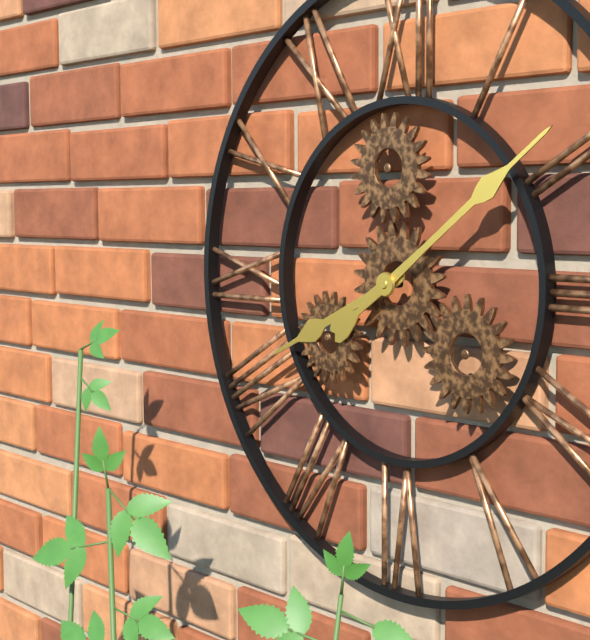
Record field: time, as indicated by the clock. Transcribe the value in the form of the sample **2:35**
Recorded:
**8:09**
